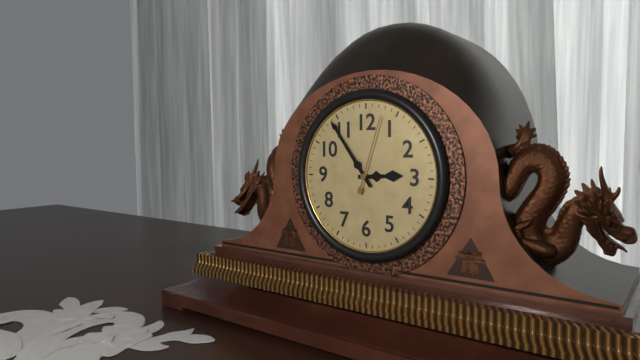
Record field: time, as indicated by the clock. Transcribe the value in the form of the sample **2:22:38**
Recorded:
**2:54:03**
